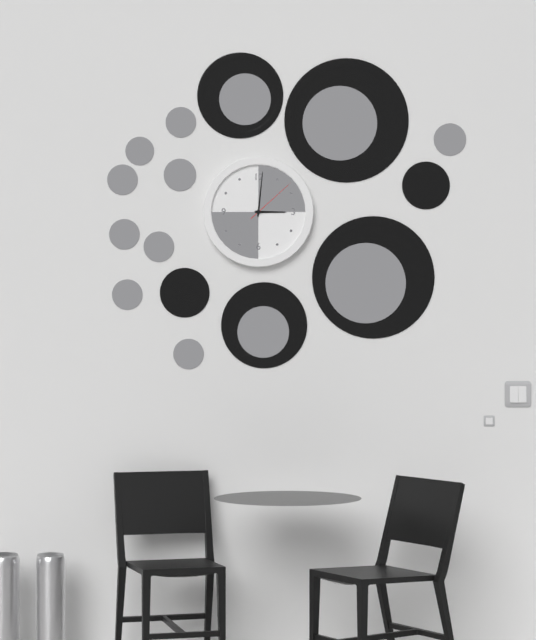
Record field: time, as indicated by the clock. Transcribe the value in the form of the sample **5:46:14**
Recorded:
**3:01:08**
